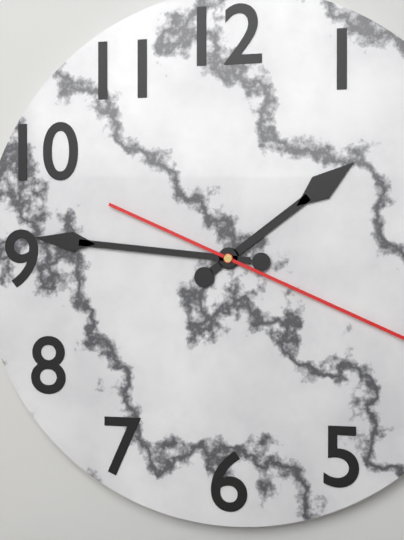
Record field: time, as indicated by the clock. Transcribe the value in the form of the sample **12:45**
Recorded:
**1:46**
